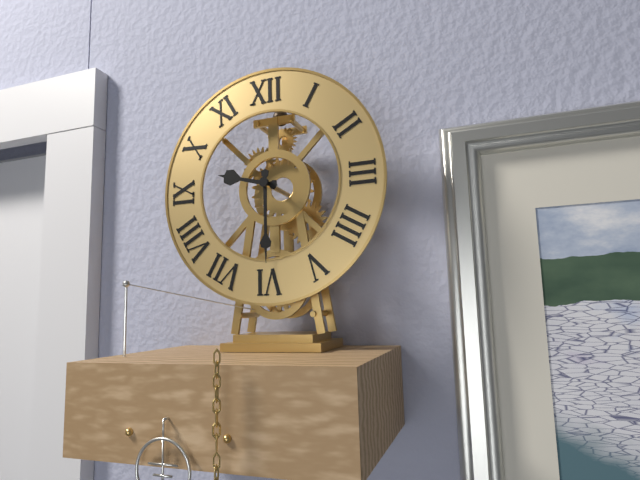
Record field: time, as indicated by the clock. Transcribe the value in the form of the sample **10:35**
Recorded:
**9:30**
